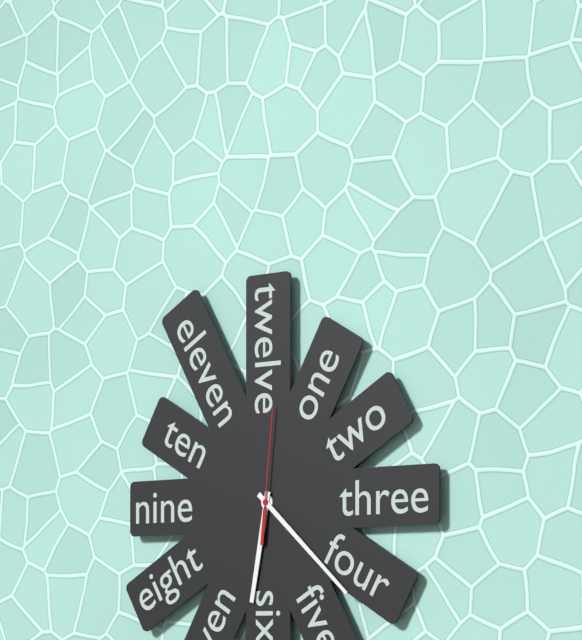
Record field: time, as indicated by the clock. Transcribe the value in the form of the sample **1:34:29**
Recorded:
**6:22:01**
